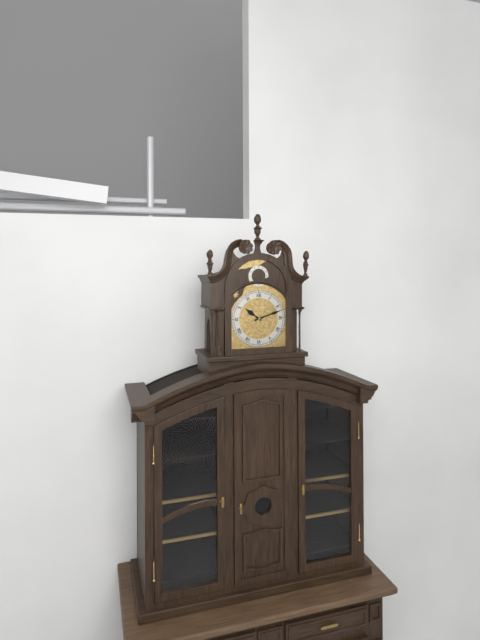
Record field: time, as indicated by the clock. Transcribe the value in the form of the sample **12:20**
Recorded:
**10:12**
